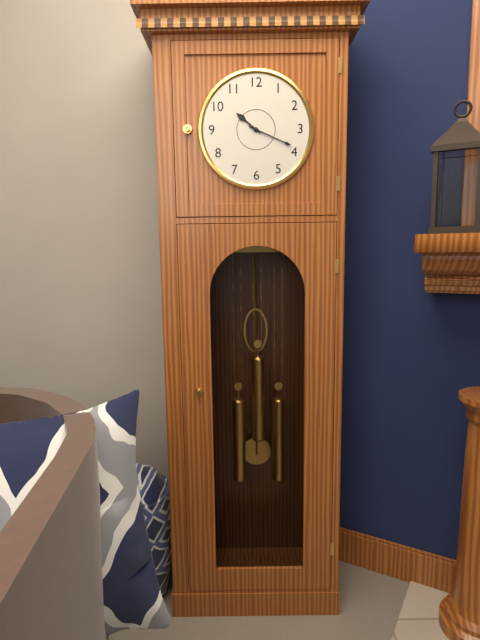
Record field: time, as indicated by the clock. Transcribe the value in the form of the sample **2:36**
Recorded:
**10:19**
